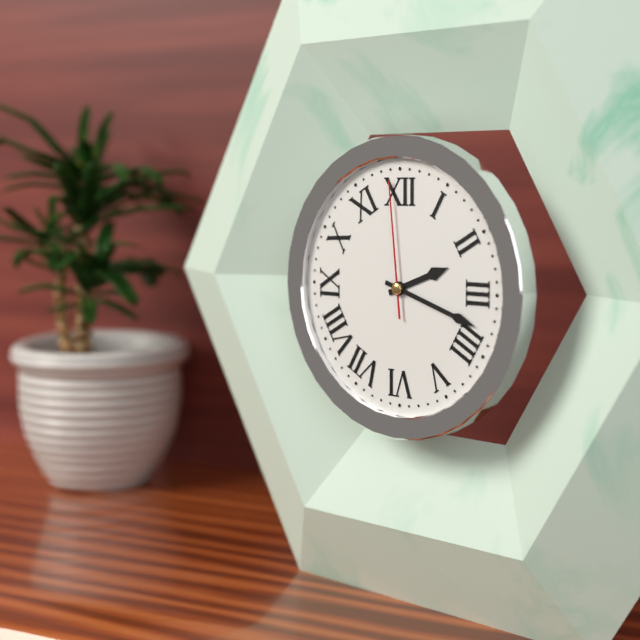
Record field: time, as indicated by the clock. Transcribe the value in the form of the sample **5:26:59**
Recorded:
**2:18:59**
